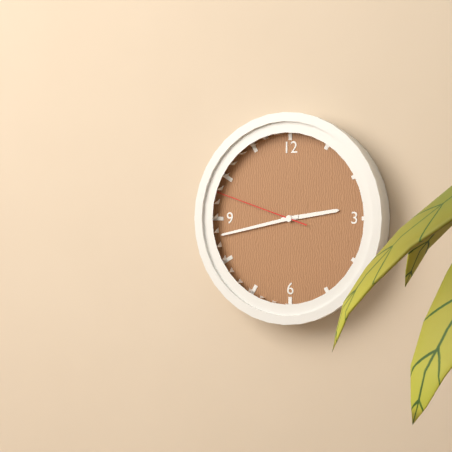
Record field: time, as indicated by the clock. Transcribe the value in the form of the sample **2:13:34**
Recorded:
**2:43:48**
